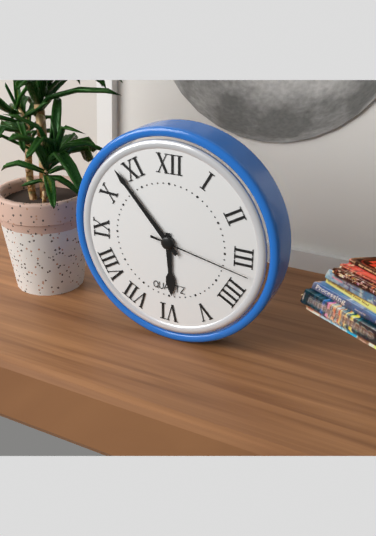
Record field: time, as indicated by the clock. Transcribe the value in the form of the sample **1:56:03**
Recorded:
**5:53:17**
